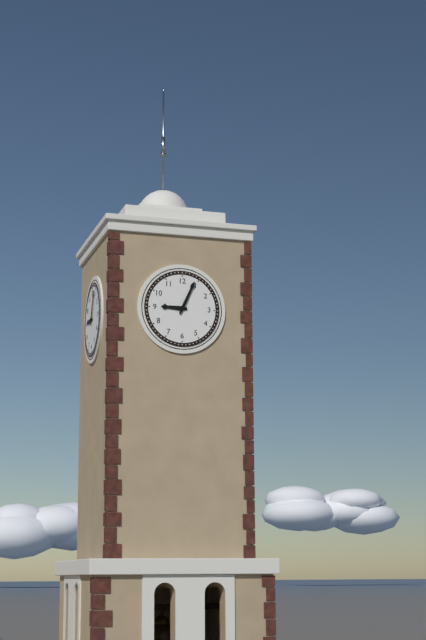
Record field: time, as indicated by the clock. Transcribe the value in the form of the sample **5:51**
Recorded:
**9:04**
